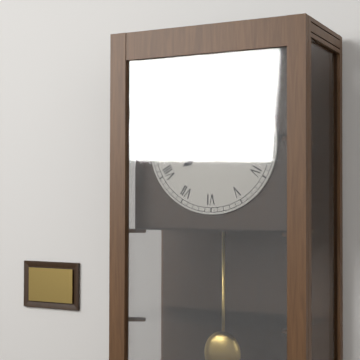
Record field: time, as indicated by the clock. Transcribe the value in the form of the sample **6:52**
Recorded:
**7:51**
